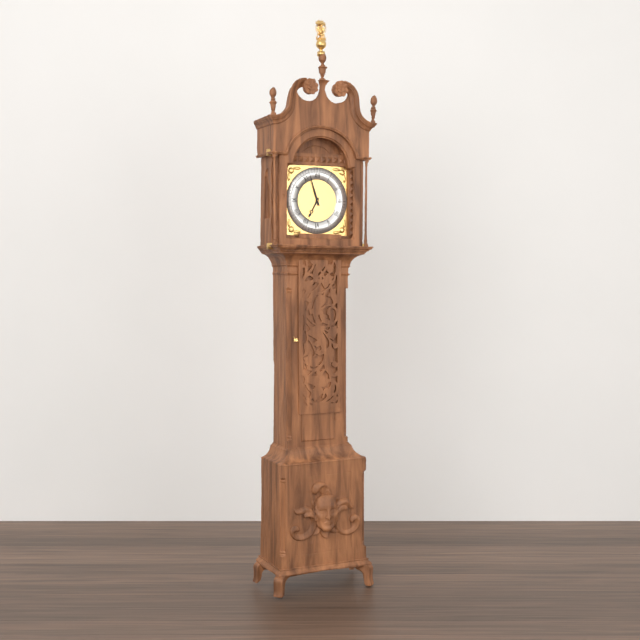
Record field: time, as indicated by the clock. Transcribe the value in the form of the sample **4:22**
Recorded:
**6:57**
